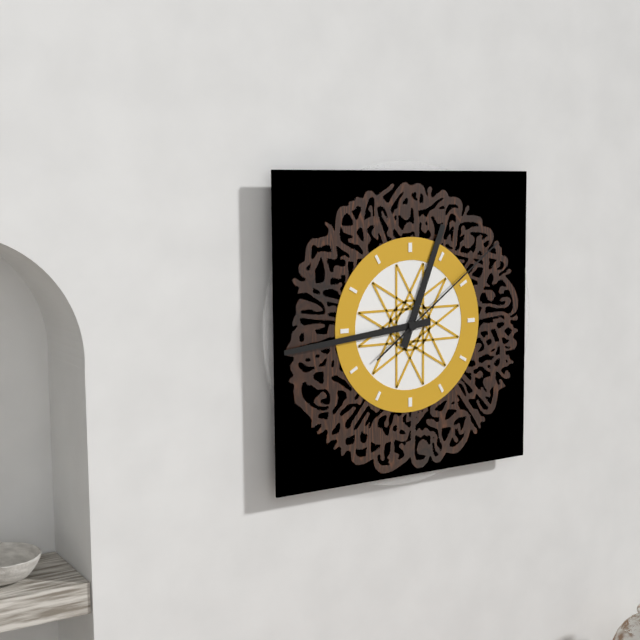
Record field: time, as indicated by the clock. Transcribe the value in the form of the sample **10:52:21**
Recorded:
**12:44:09**
